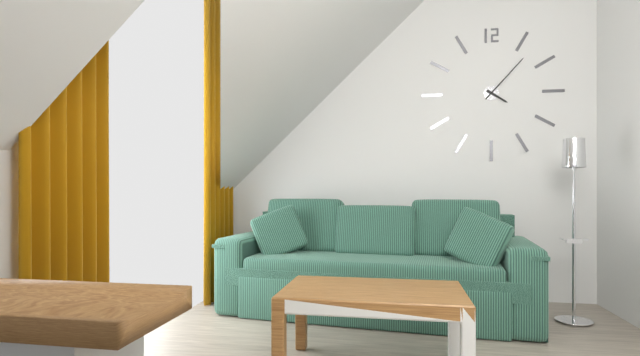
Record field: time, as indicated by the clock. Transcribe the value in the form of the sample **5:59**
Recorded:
**4:07**
